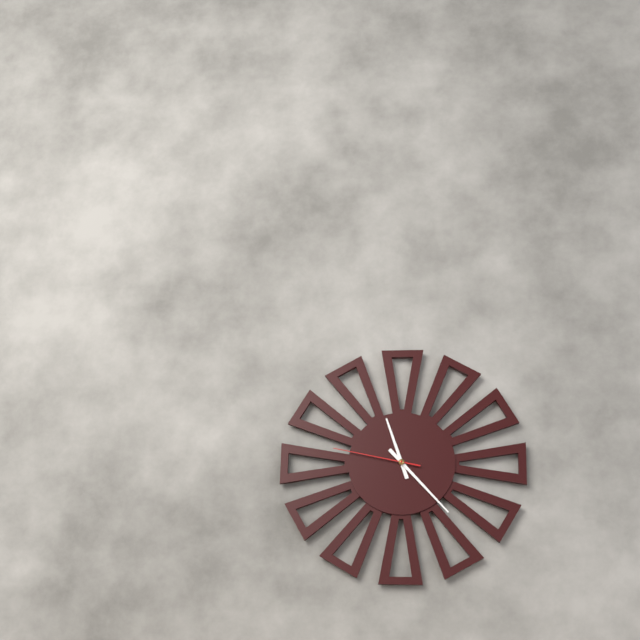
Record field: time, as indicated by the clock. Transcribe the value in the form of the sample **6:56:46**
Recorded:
**11:23:47**
